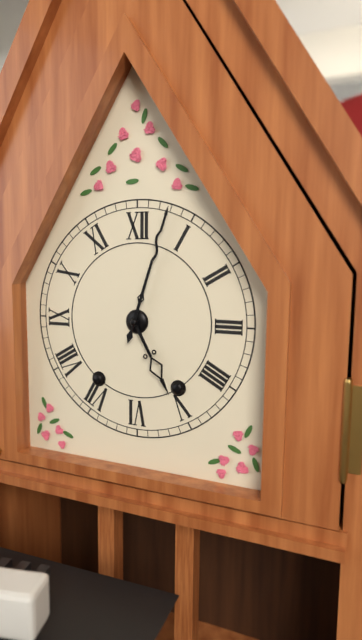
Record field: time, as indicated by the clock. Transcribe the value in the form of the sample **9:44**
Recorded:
**5:03**
